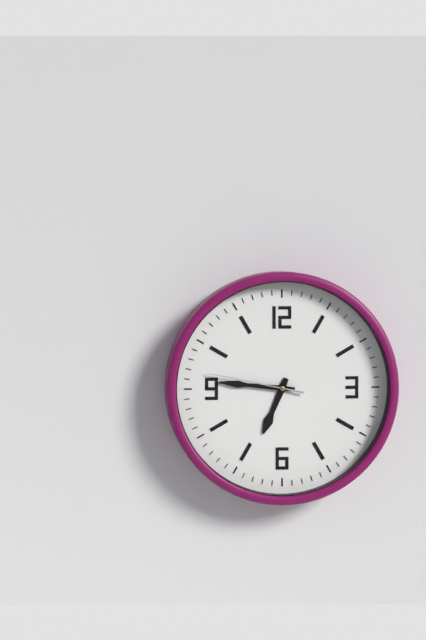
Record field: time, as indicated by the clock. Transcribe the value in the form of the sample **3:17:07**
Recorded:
**6:46:47**
